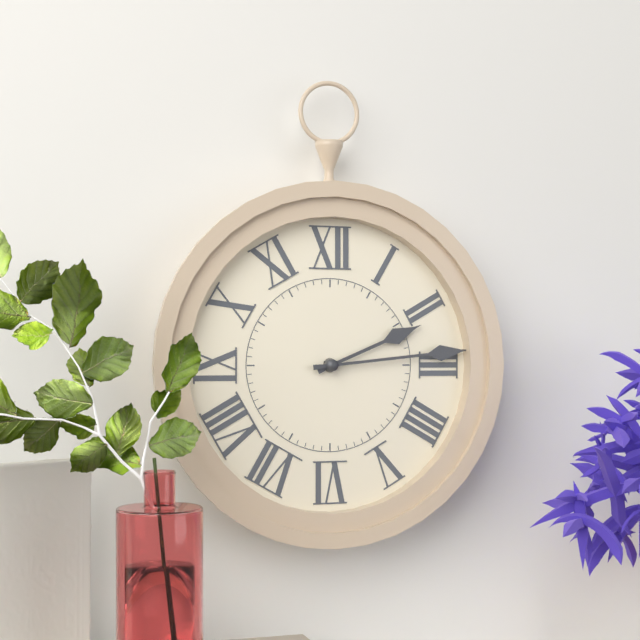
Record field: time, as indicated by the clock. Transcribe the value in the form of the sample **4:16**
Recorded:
**2:14**
